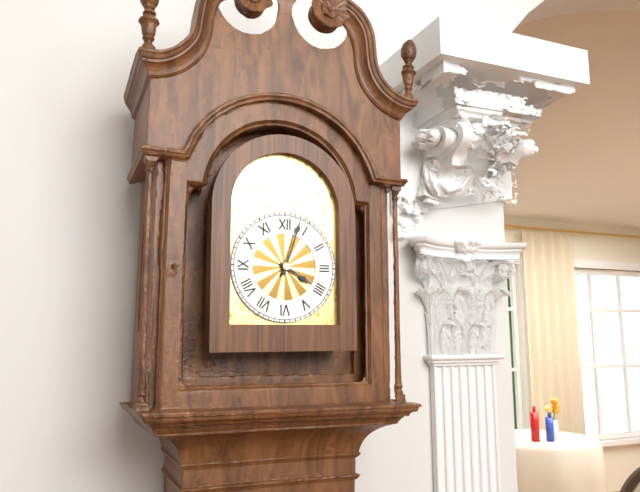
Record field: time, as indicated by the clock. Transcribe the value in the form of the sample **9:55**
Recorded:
**4:03**
